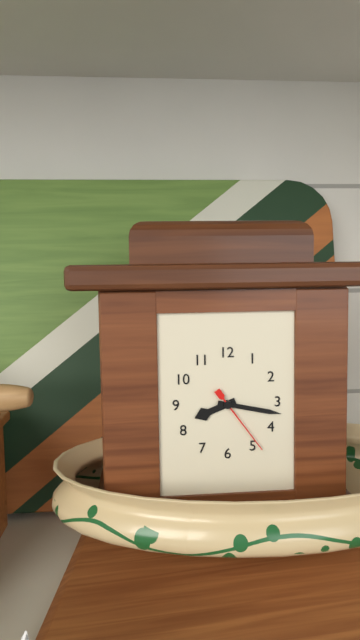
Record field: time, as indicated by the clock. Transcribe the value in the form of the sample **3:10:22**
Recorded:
**8:17:24**
